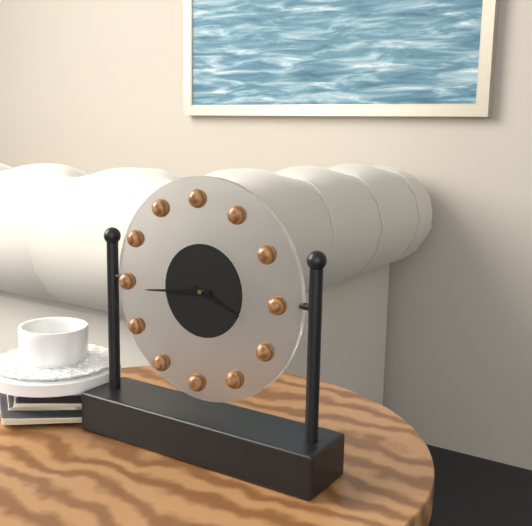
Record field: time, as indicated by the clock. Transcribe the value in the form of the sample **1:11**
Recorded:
**3:44**
